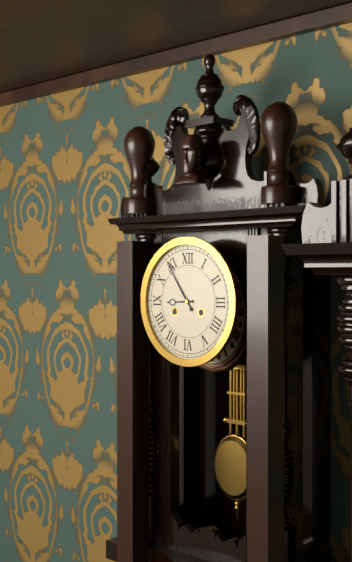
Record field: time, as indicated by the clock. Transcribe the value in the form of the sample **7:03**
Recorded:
**8:54**
